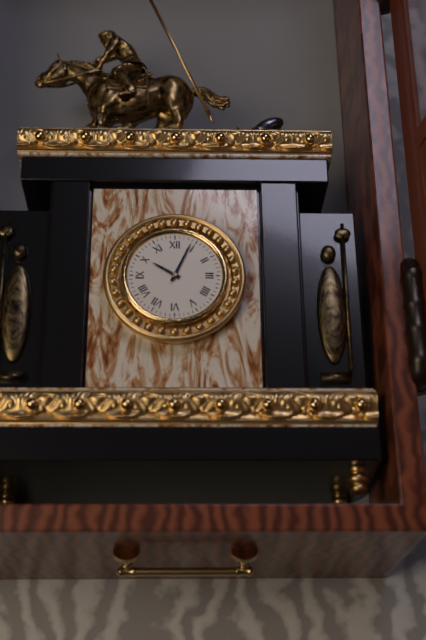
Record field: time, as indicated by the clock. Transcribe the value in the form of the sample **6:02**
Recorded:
**10:04**
